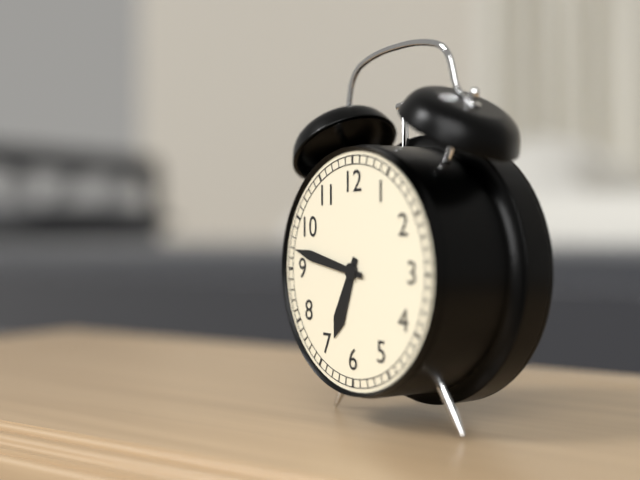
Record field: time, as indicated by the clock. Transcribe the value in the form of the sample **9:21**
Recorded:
**6:47**
